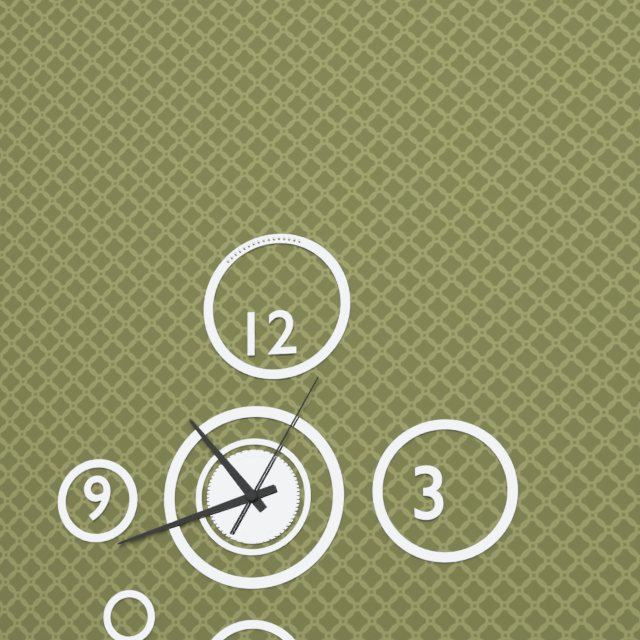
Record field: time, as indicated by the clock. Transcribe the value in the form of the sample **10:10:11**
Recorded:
**10:42:05**
